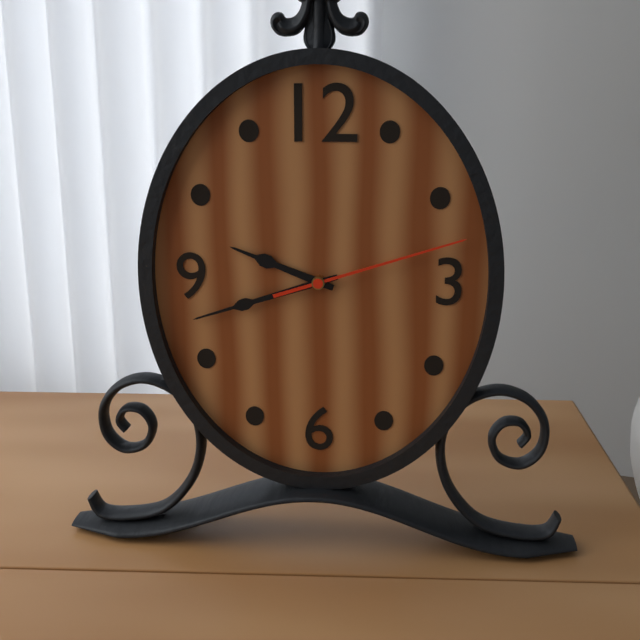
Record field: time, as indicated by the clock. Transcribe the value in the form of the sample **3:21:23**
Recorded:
**9:42:12**
